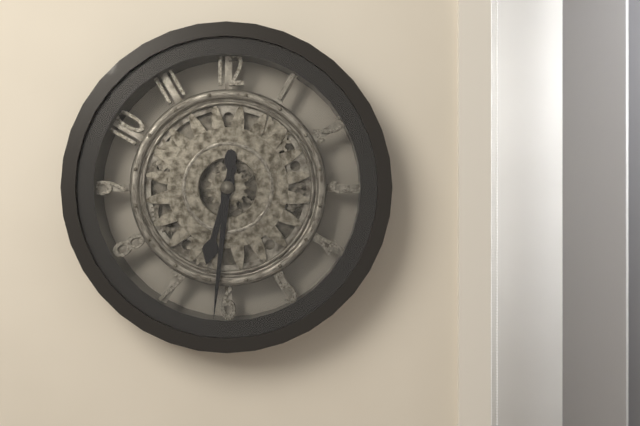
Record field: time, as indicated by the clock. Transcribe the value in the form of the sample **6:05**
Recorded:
**6:31**
